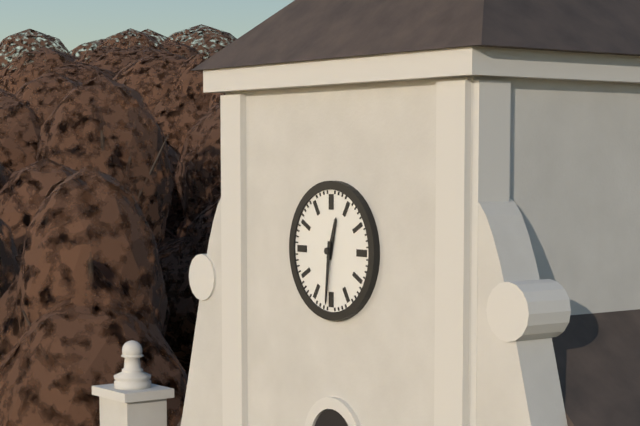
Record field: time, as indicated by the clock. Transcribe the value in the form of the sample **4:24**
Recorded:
**12:31**
